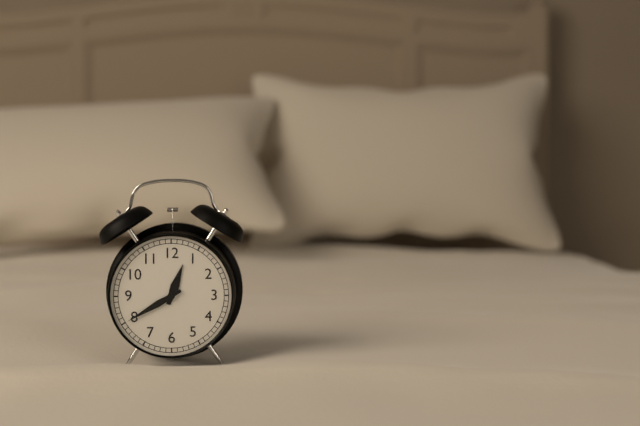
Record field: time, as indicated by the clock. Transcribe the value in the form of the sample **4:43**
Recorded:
**12:40**
